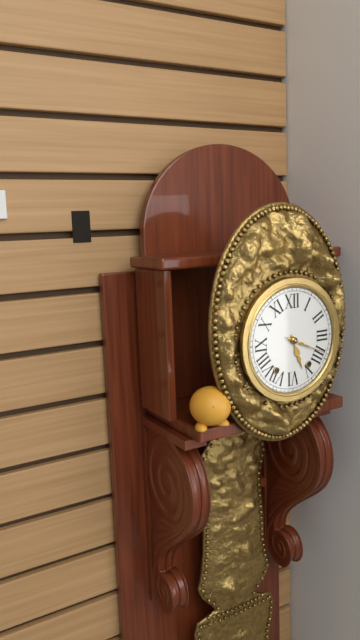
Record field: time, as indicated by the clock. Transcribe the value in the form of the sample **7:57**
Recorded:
**5:19**
